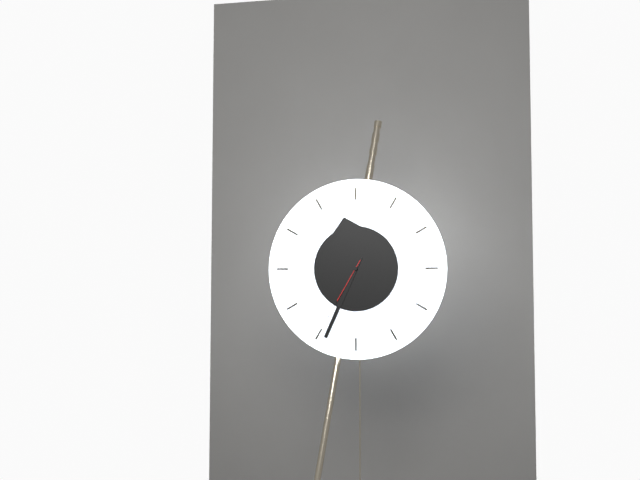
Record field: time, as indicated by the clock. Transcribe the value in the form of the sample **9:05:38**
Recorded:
**11:34:35**
